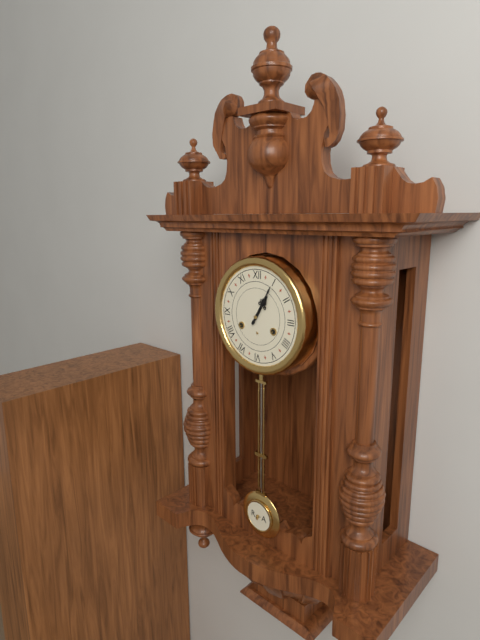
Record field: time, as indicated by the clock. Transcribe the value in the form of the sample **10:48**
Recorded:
**1:05**
